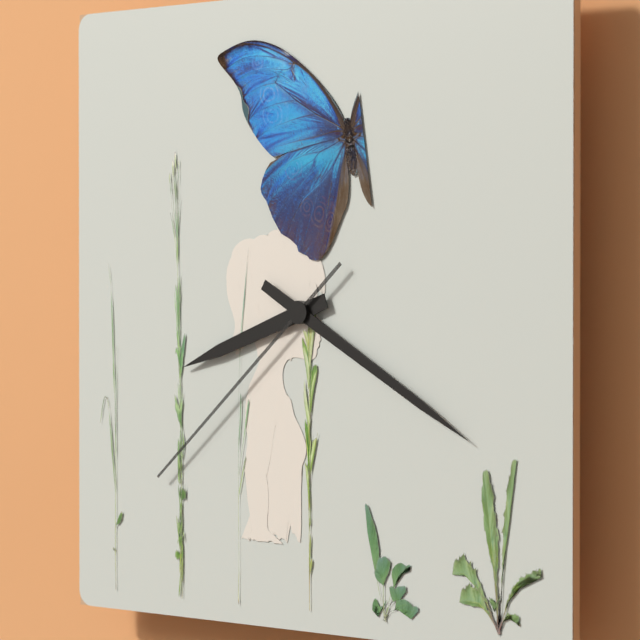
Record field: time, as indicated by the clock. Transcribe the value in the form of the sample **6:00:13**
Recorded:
**8:20:38**
